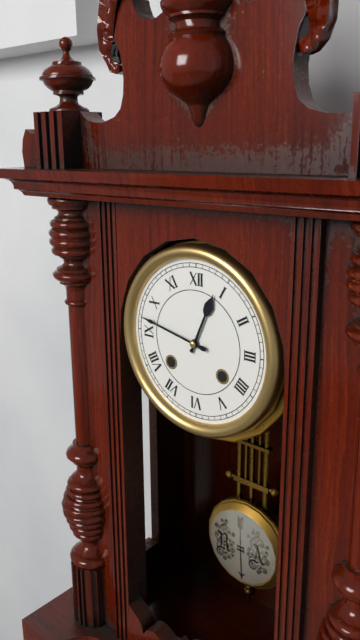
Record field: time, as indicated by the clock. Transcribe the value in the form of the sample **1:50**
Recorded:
**12:47**
